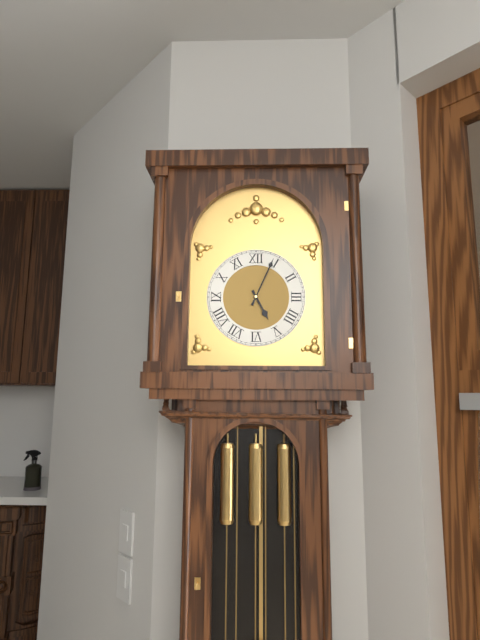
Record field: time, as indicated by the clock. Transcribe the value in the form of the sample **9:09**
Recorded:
**5:04**
